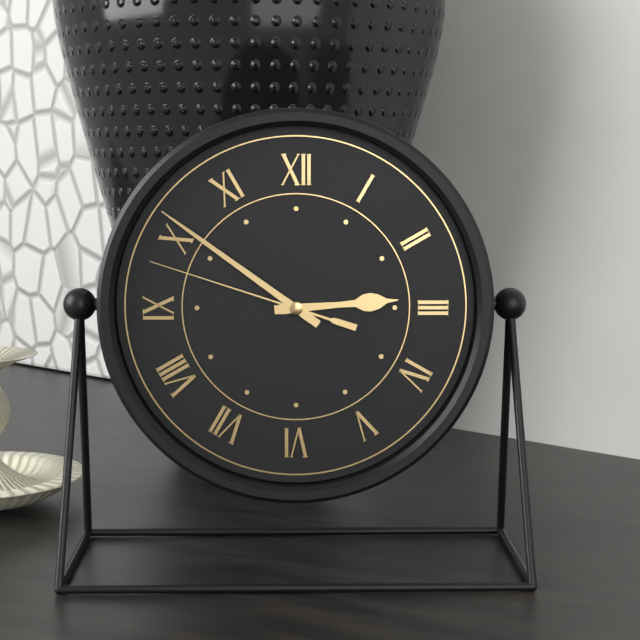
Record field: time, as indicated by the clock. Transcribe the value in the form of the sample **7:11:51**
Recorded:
**2:51:48**
